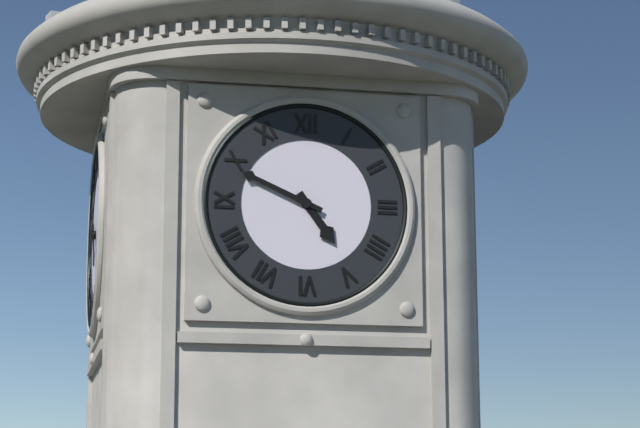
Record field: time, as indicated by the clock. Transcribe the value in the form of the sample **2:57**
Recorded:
**4:49**
